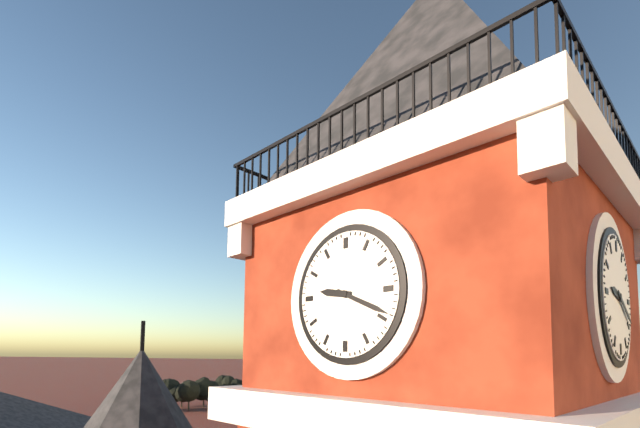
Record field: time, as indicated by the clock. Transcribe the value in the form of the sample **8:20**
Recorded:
**9:19**
